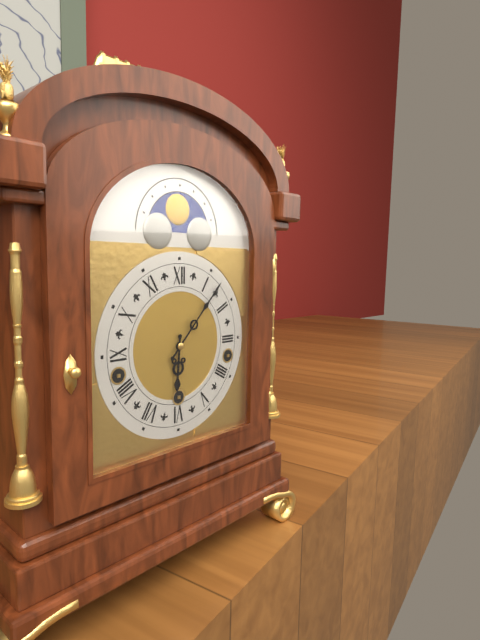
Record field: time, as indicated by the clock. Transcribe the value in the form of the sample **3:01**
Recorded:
**6:07**
